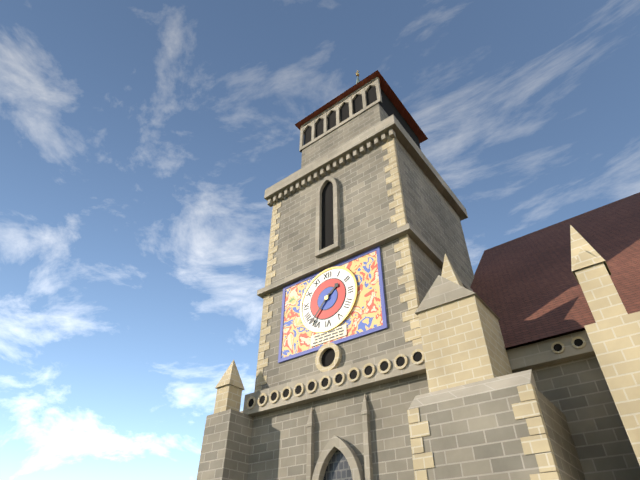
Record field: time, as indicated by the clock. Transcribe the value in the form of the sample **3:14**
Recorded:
**1:37**
